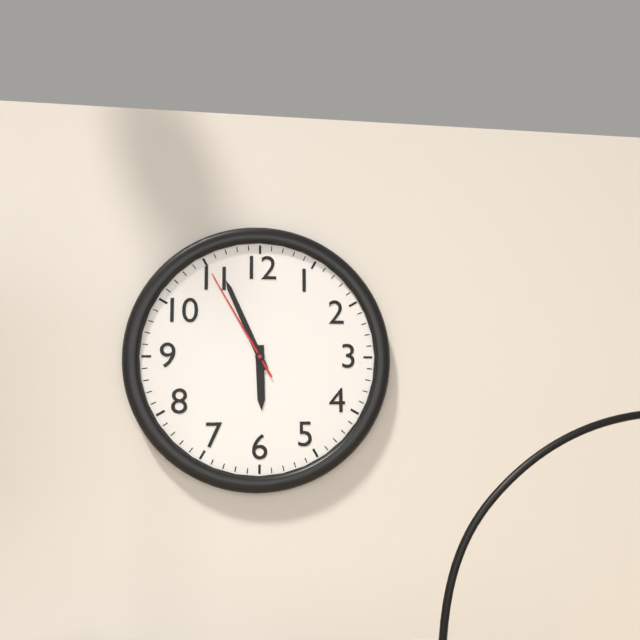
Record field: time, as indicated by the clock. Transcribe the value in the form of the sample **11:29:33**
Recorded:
**5:56:55**
